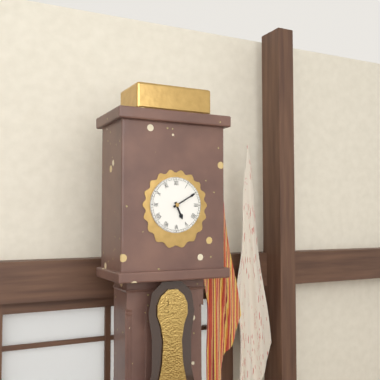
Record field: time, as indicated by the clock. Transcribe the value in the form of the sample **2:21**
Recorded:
**5:10**
